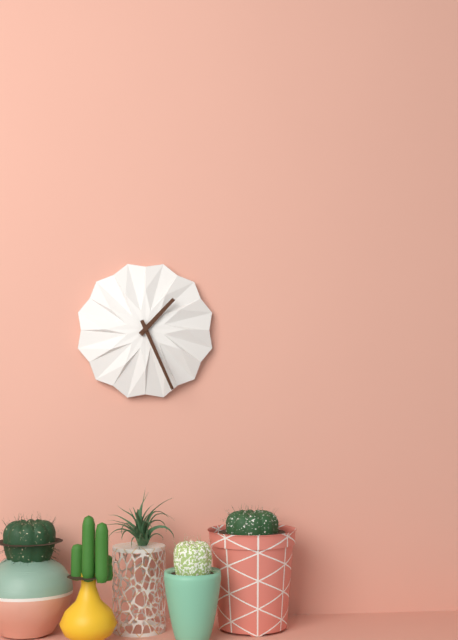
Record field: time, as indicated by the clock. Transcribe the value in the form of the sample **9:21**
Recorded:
**1:26**
